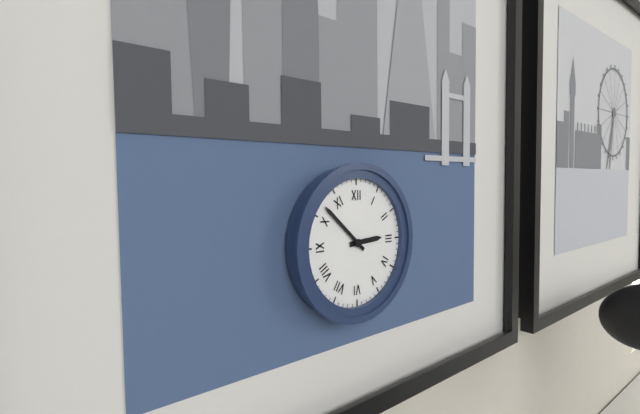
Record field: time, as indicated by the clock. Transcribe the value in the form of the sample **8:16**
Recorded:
**2:52**
